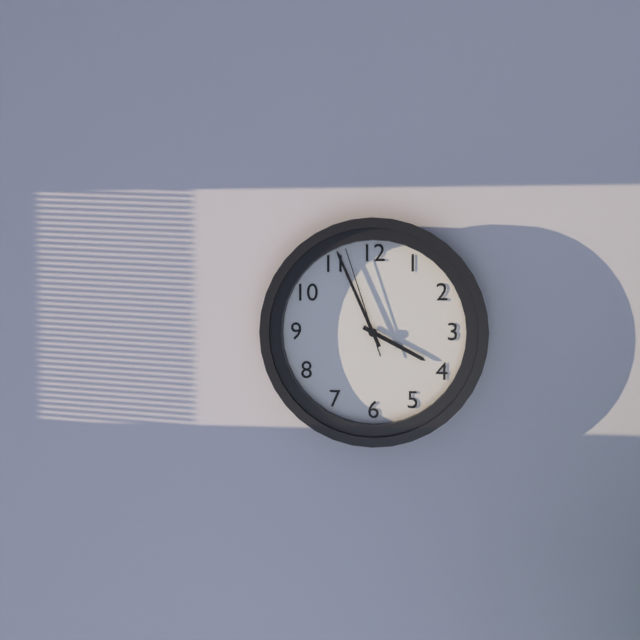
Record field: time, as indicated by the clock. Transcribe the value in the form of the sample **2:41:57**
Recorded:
**3:56:57**
